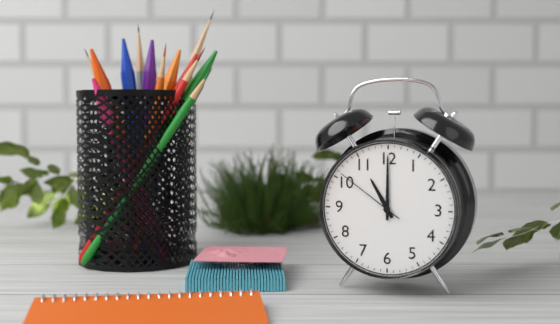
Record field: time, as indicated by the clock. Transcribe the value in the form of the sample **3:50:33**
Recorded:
**11:00:51**
